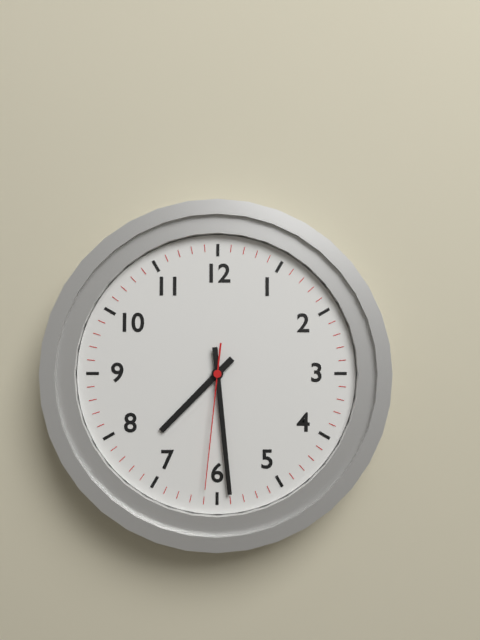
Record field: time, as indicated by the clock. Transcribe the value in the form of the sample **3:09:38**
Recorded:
**7:29:31**
